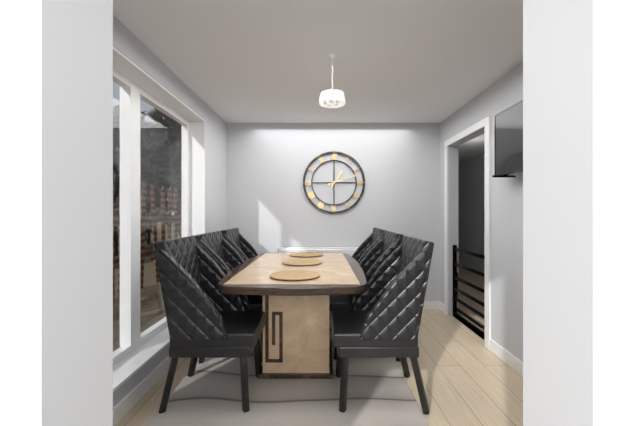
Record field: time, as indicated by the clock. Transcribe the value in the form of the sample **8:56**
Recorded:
**1:12**
